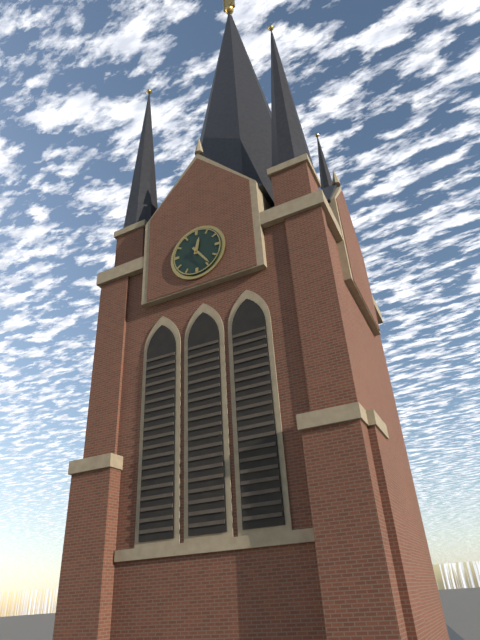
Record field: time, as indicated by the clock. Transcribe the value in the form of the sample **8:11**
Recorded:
**12:24**
